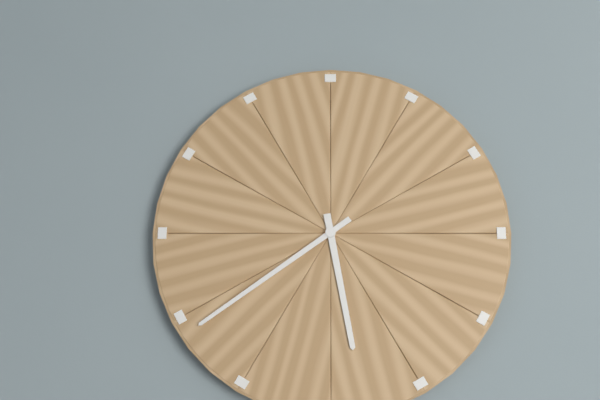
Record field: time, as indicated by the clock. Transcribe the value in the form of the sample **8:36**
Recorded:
**5:39**
